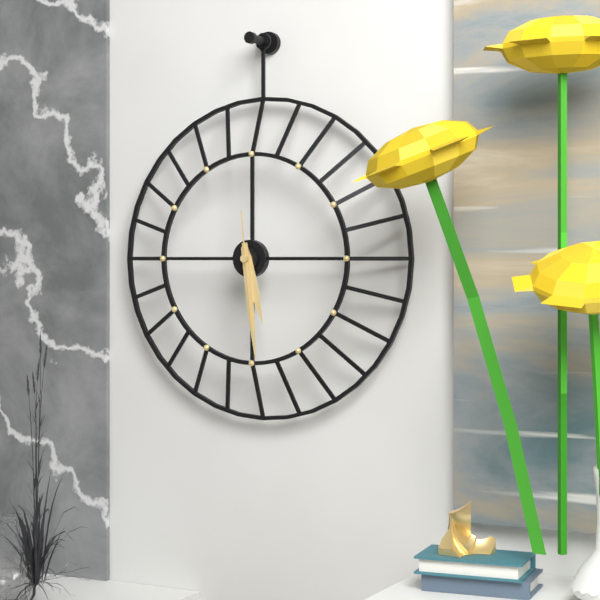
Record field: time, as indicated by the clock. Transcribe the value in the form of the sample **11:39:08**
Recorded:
**5:29:29**
